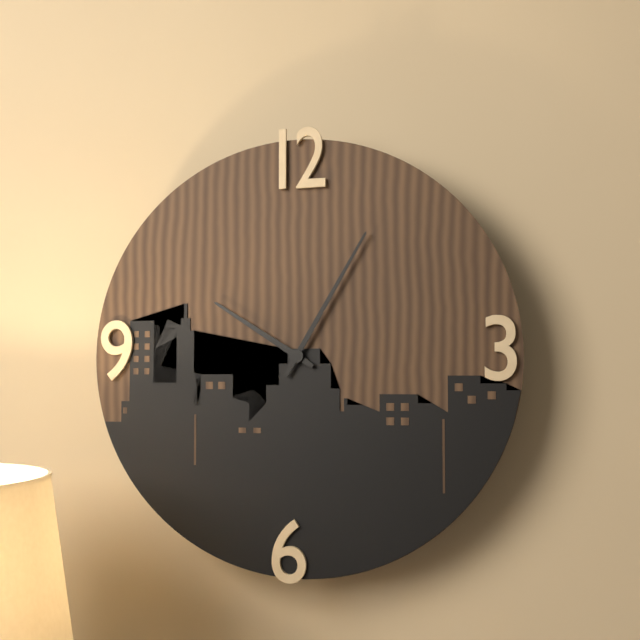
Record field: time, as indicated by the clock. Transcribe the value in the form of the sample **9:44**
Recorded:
**10:05**
